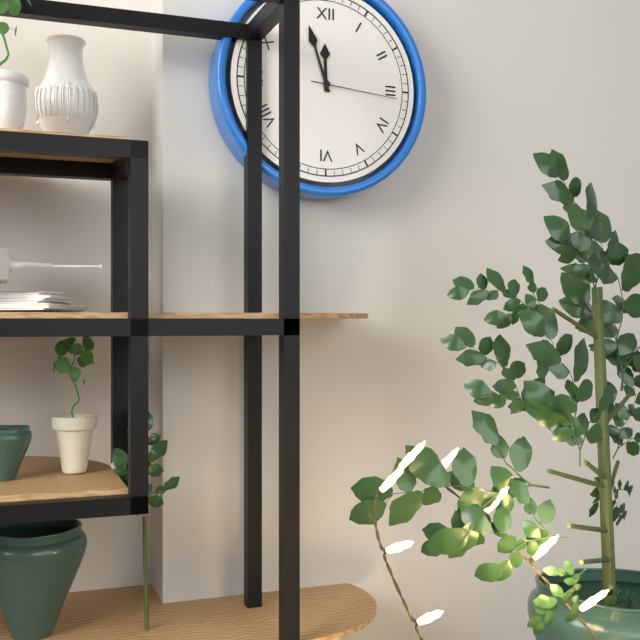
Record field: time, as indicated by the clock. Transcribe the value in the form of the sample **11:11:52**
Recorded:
**11:57:16**
